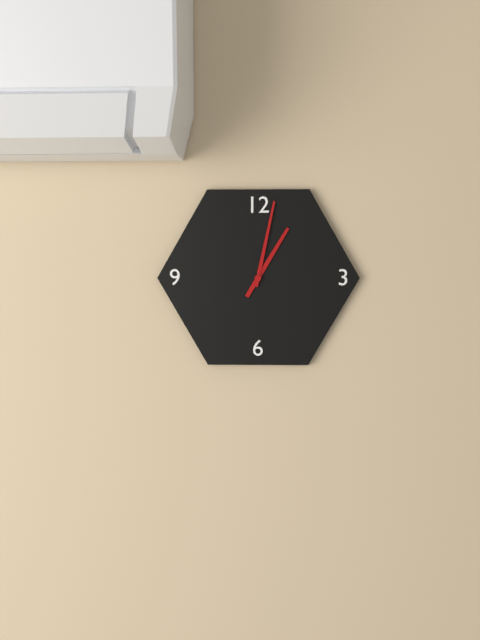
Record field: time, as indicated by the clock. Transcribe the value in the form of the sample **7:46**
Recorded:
**1:02**
